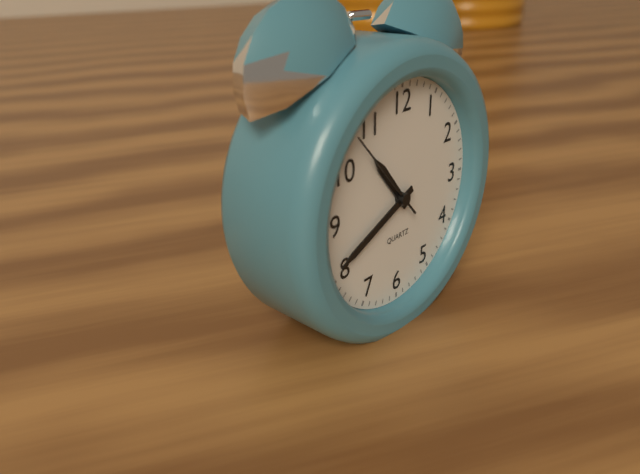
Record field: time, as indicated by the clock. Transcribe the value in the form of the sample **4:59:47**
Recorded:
**10:41:53**
